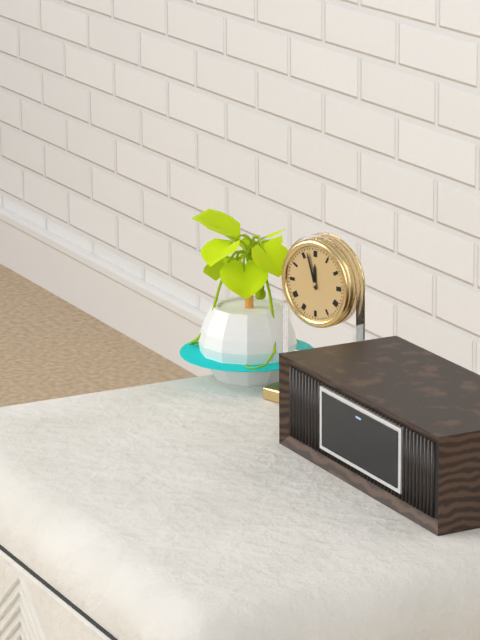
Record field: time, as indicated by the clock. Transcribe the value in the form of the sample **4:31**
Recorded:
**11:57**
